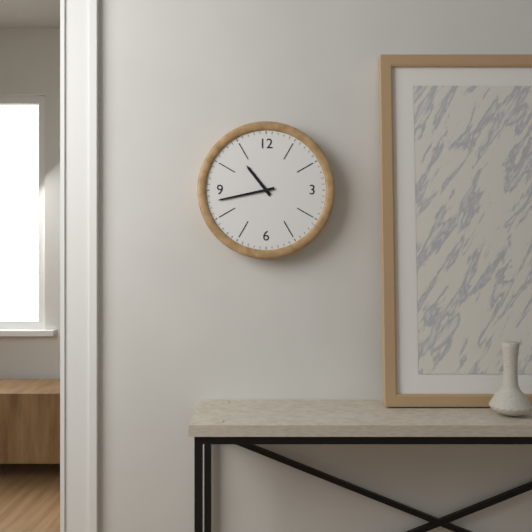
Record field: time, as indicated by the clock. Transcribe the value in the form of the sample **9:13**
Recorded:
**10:43**
